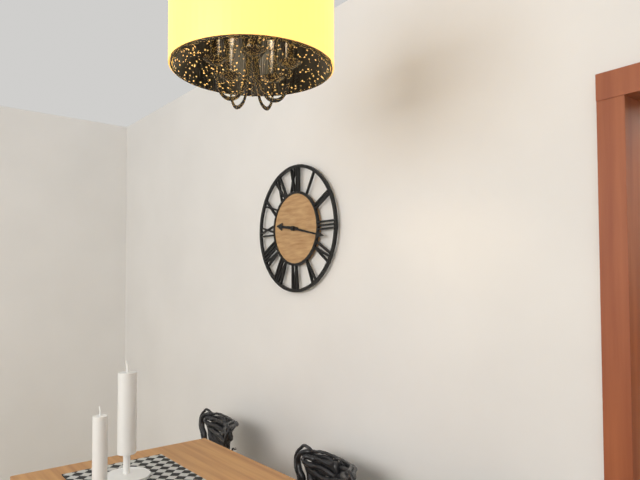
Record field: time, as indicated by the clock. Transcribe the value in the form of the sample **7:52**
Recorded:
**9:17**
